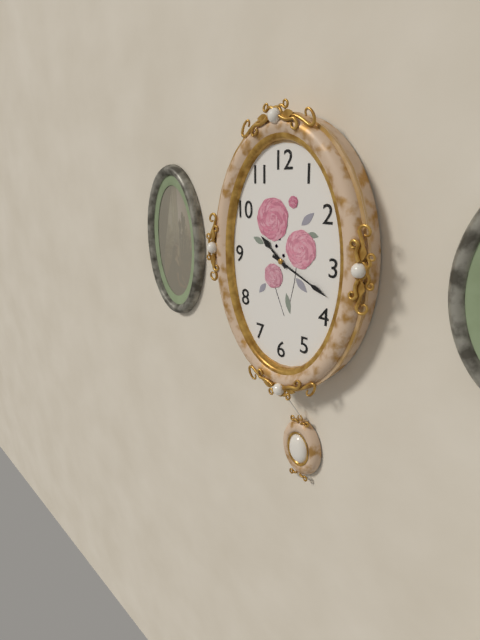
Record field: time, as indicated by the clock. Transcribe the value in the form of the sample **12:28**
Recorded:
**10:19**
